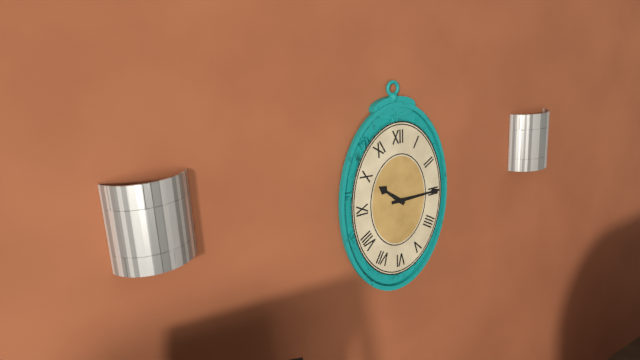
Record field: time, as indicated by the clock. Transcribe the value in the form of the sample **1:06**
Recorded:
**10:15**
